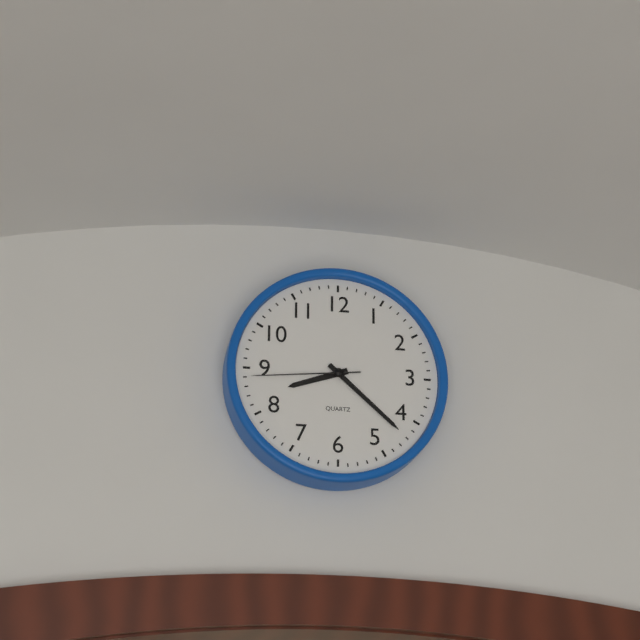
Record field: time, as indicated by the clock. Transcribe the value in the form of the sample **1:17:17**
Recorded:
**8:22:44**
